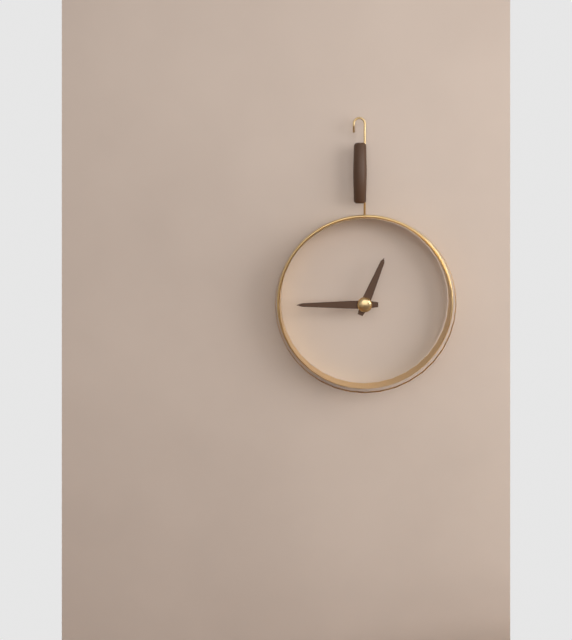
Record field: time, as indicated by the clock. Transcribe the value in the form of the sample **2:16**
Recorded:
**12:45**
